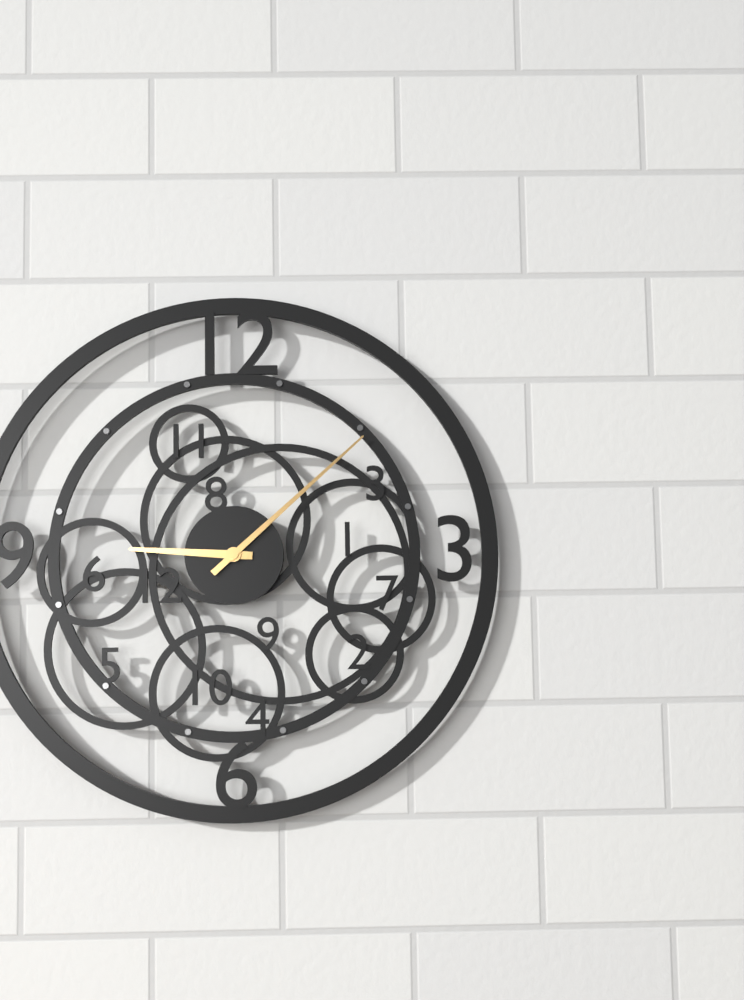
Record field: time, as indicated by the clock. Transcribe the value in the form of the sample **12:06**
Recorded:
**9:08**
